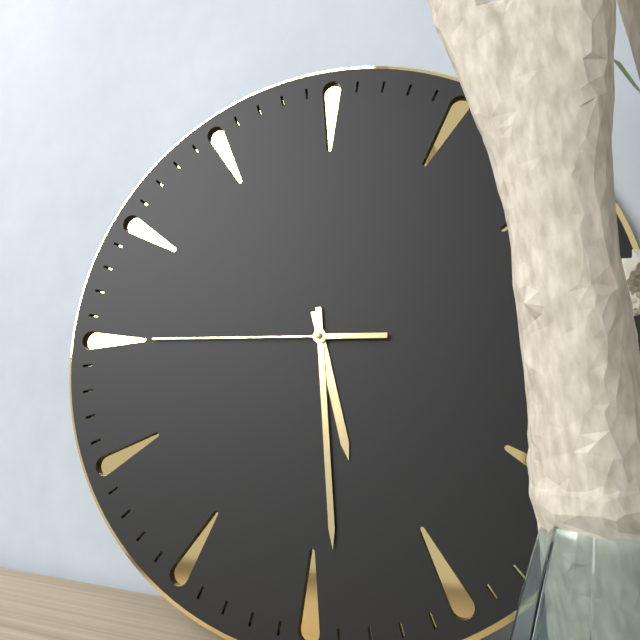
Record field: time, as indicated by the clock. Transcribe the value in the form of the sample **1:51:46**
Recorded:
**5:29:45**
